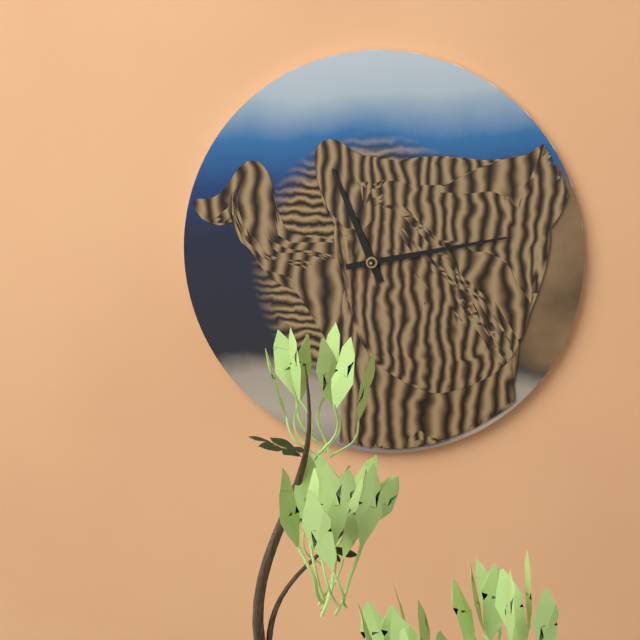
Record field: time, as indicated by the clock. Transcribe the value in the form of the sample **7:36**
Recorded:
**11:13**
